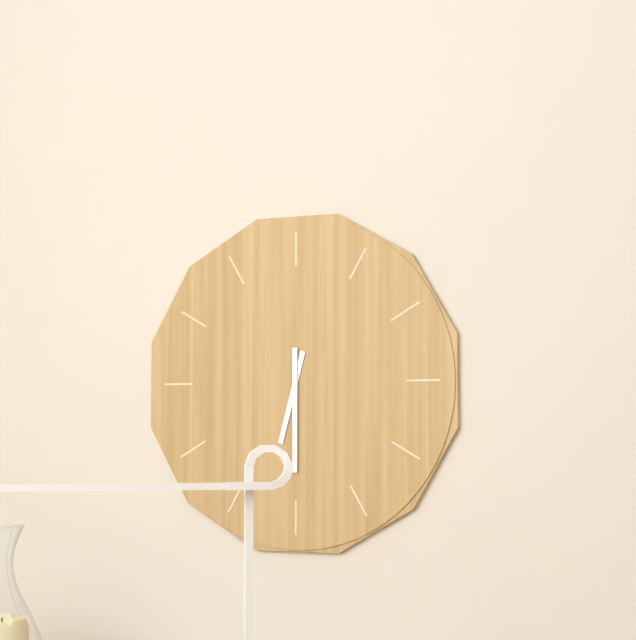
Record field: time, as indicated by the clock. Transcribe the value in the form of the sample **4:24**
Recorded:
**6:30**
